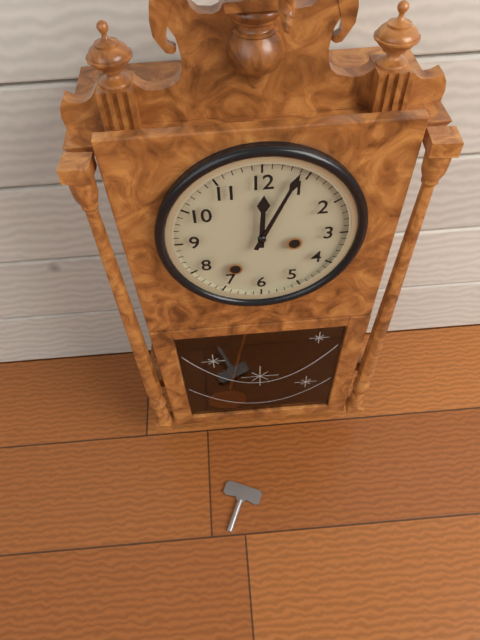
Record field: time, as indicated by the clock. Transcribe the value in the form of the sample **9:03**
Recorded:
**12:04**
